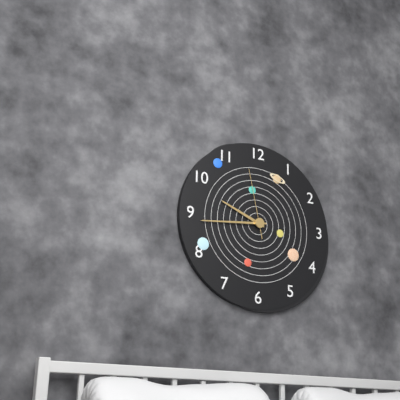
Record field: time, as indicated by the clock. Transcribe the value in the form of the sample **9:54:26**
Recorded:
**9:44:58**
